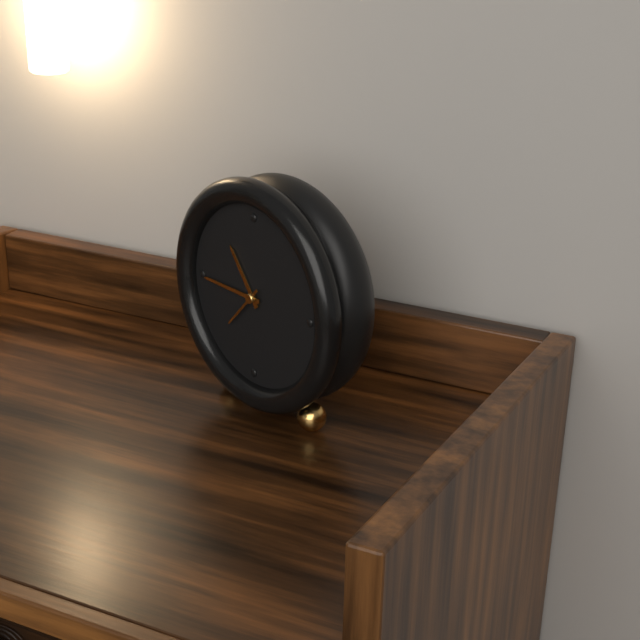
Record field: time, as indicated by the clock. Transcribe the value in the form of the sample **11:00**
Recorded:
**10:45**
